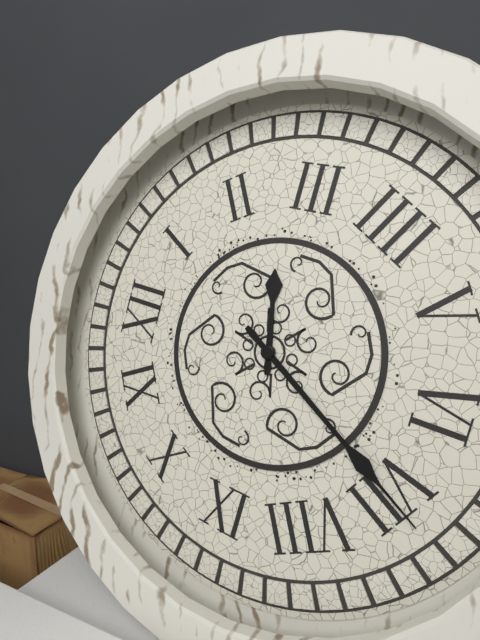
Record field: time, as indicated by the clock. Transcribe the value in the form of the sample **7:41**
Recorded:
**2:35**
